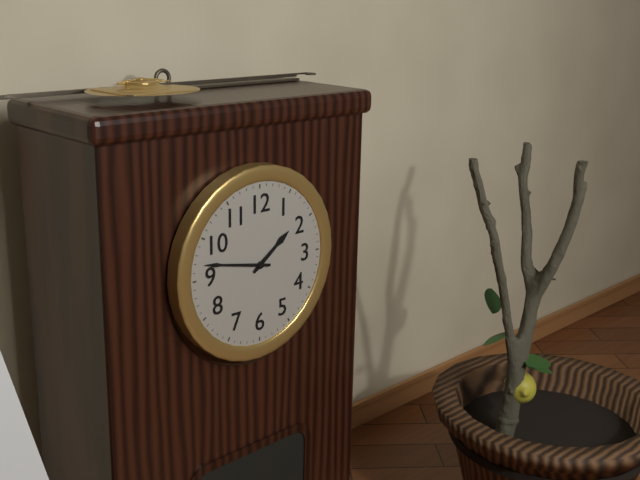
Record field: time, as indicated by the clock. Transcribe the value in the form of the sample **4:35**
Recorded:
**1:47**
